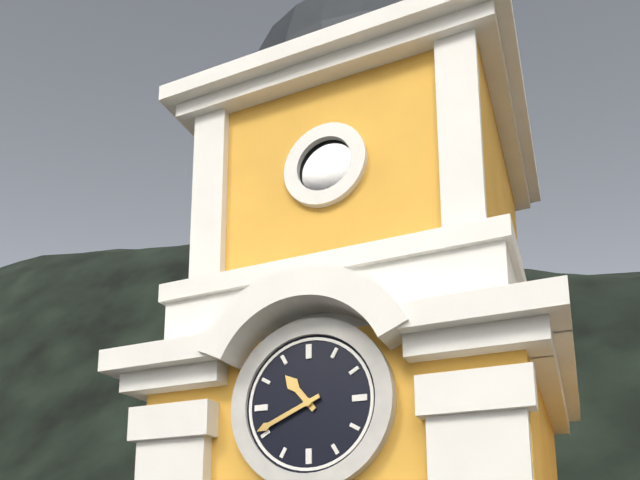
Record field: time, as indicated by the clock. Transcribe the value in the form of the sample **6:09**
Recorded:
**10:41**
